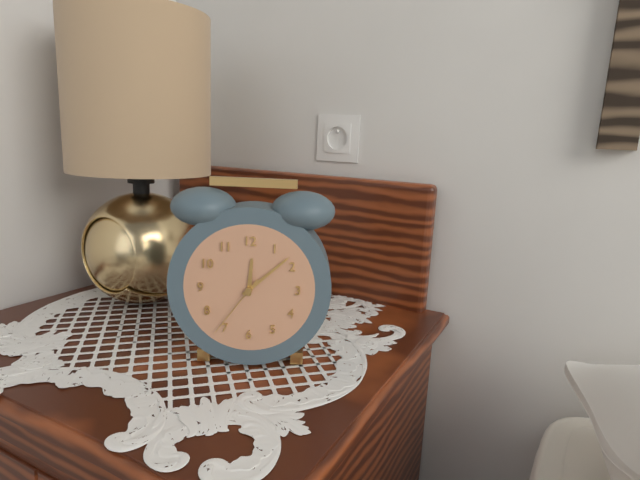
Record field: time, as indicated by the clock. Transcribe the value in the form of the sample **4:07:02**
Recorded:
**12:08:36**
